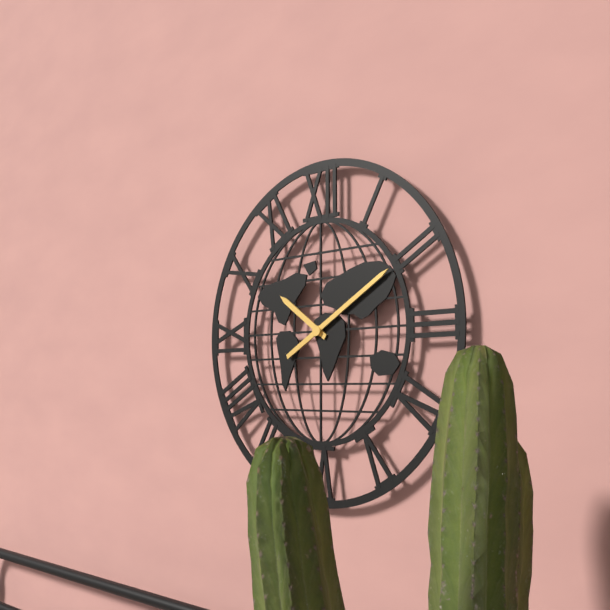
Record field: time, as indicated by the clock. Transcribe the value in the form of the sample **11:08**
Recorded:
**10:10**
